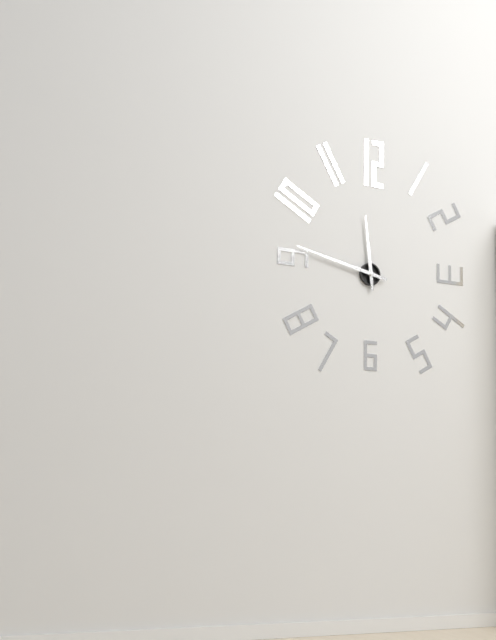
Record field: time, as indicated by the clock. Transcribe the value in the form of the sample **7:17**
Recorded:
**11:47**
